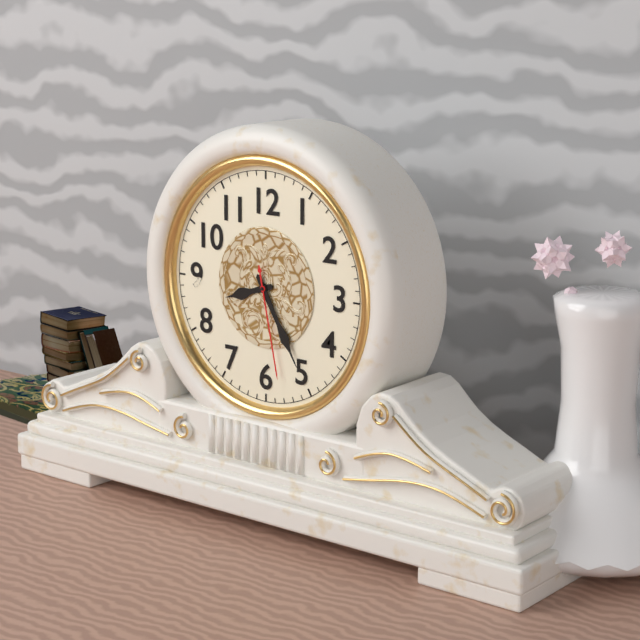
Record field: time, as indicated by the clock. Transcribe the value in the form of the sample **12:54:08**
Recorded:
**8:25:28**
